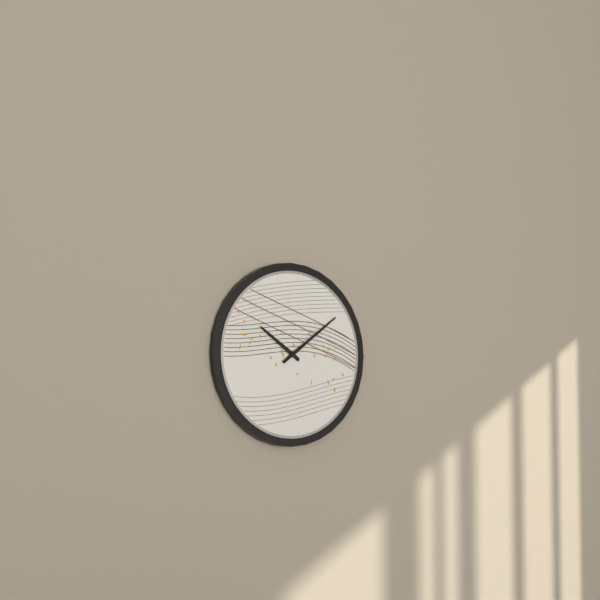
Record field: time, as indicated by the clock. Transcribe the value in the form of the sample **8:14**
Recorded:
**10:09**
